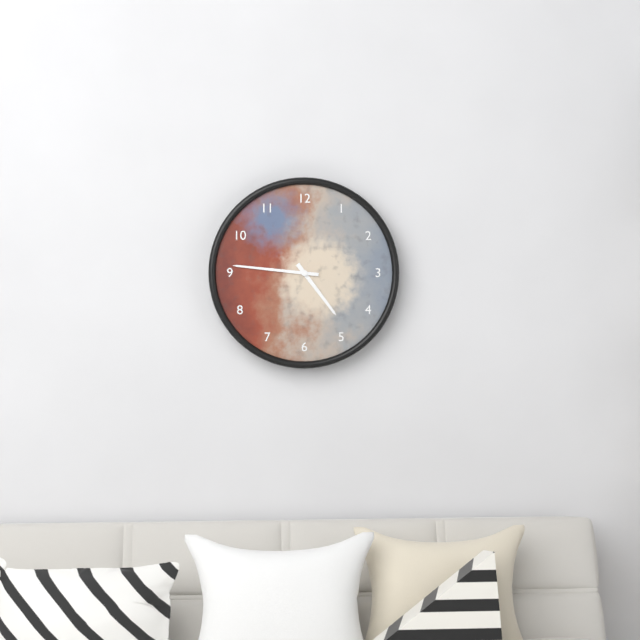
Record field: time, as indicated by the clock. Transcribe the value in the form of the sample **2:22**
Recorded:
**4:46**
